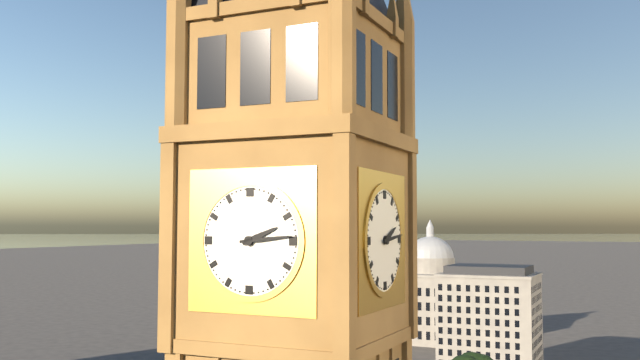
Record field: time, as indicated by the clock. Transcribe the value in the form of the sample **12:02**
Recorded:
**2:14**
